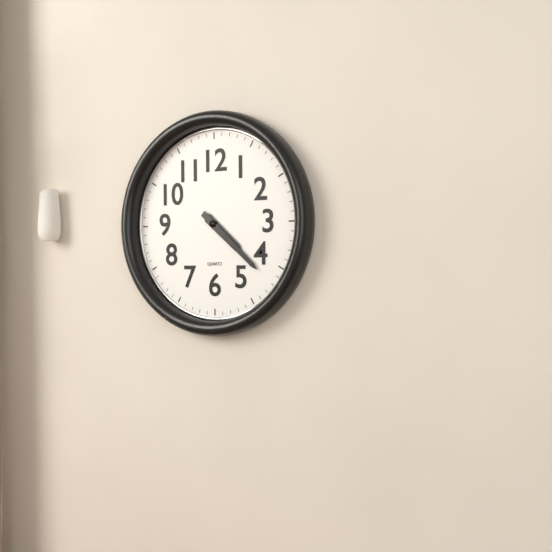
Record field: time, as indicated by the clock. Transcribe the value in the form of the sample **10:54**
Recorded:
**4:22**
